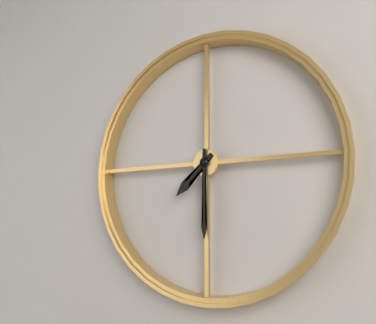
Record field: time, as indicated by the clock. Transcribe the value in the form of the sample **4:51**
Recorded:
**7:30**
